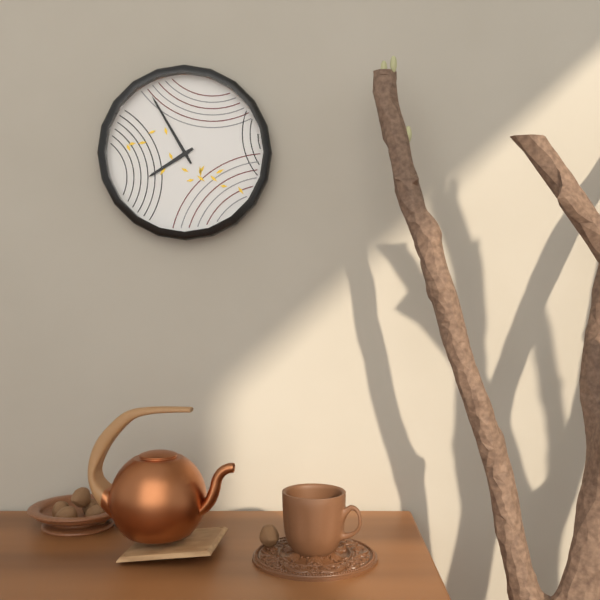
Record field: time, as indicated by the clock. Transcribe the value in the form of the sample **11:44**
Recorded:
**7:55**
